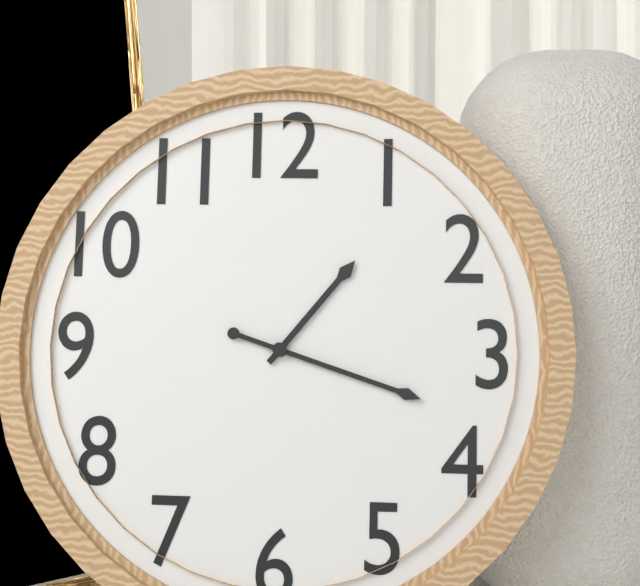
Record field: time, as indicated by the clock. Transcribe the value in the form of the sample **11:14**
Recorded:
**1:18**
